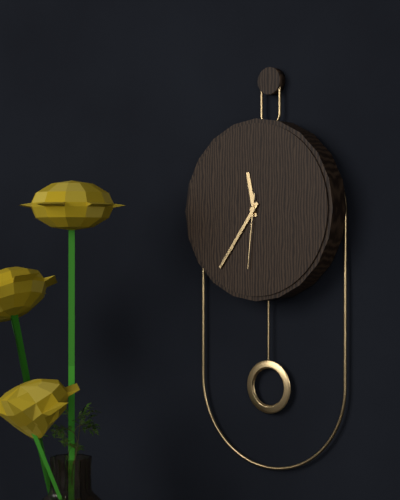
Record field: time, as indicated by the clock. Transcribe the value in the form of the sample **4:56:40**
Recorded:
**11:36:31**
